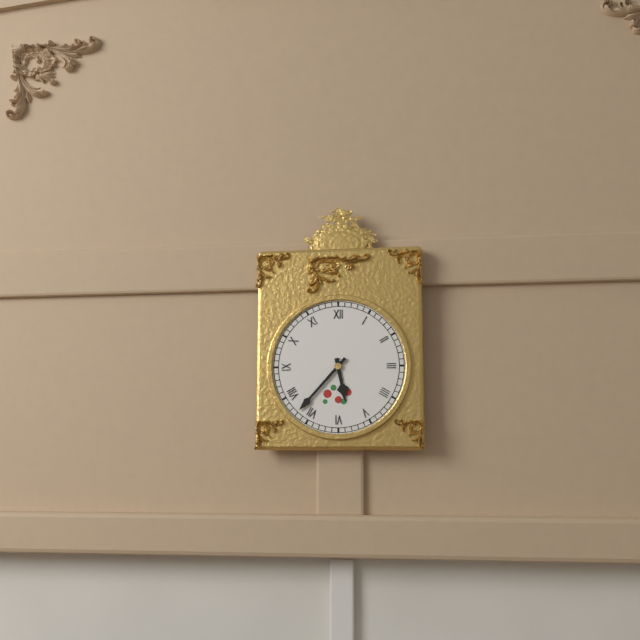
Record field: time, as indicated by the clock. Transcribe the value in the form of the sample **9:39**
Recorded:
**5:37**
